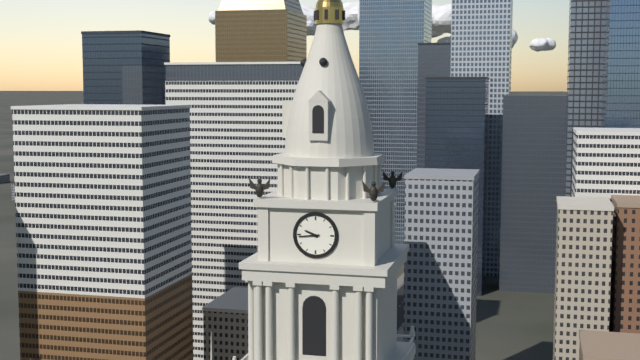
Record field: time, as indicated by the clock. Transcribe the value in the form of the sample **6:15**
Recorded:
**9:44**
